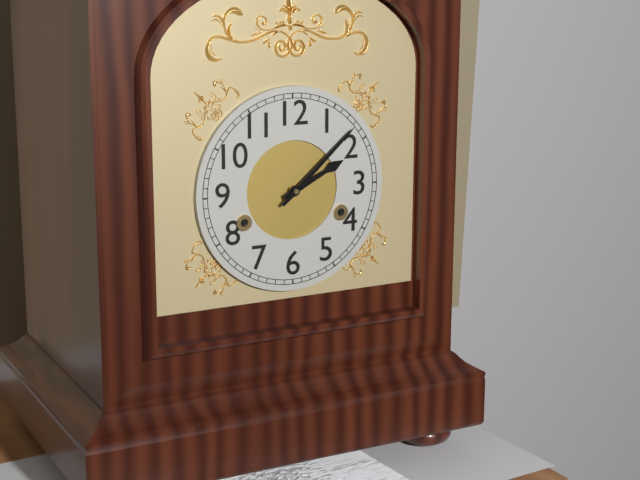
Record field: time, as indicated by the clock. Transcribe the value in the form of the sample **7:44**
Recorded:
**2:08**
